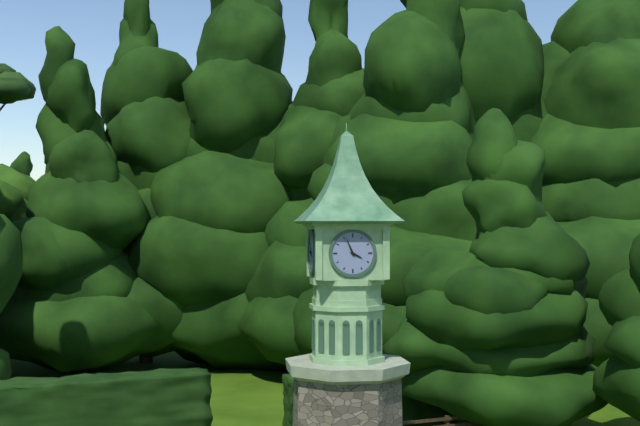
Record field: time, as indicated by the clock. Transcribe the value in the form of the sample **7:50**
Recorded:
**3:56**
